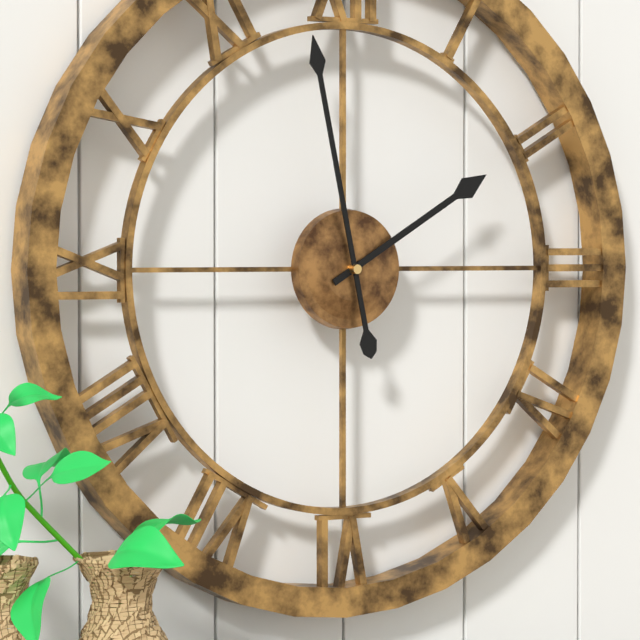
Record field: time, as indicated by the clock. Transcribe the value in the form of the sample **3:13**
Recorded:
**1:58**
